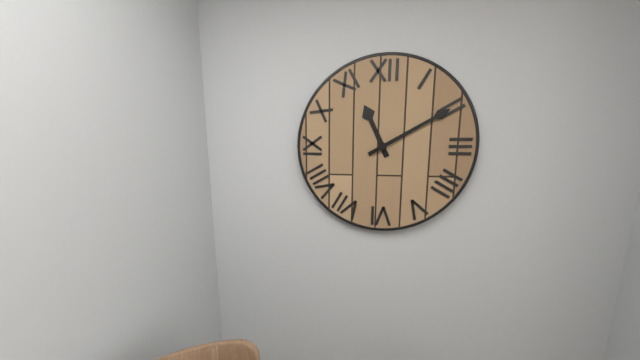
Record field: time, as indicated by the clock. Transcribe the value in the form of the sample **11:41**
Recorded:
**11:10**
